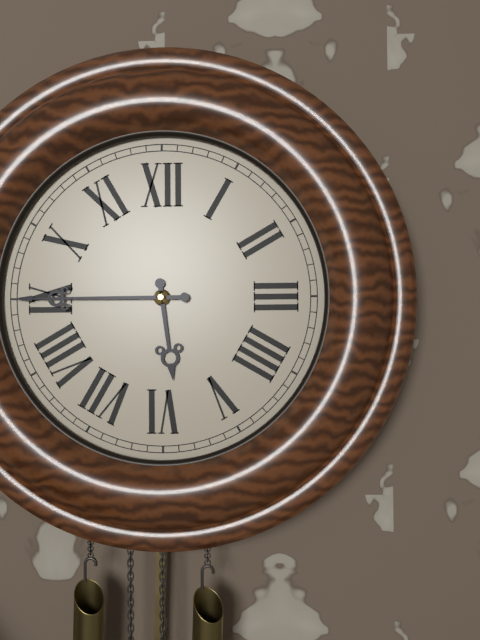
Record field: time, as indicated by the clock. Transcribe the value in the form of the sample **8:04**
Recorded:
**5:45**
